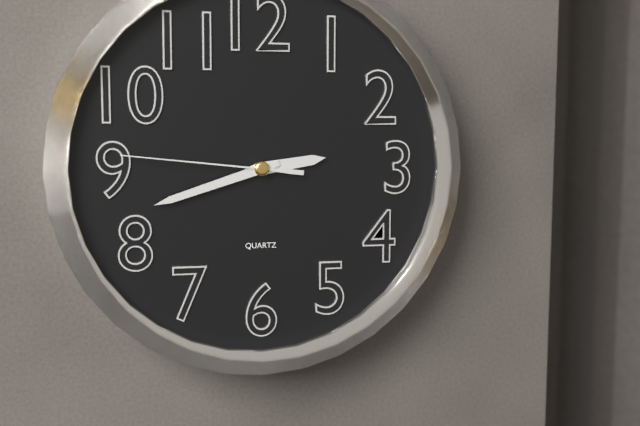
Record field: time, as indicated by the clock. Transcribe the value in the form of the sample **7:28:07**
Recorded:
**2:42:46**
